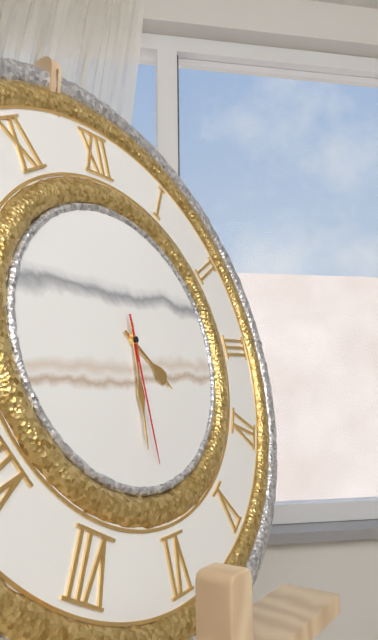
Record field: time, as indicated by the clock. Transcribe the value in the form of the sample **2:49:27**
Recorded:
**4:31:30**
